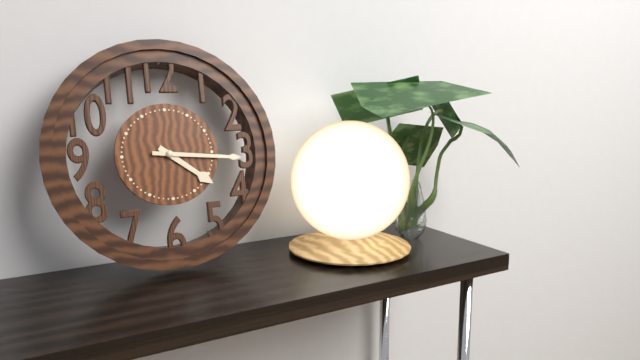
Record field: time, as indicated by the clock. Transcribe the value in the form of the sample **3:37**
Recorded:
**4:16**
